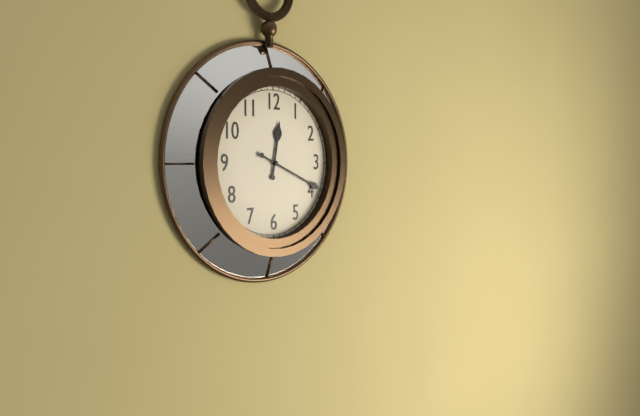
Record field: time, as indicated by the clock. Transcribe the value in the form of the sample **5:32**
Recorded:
**12:19**
